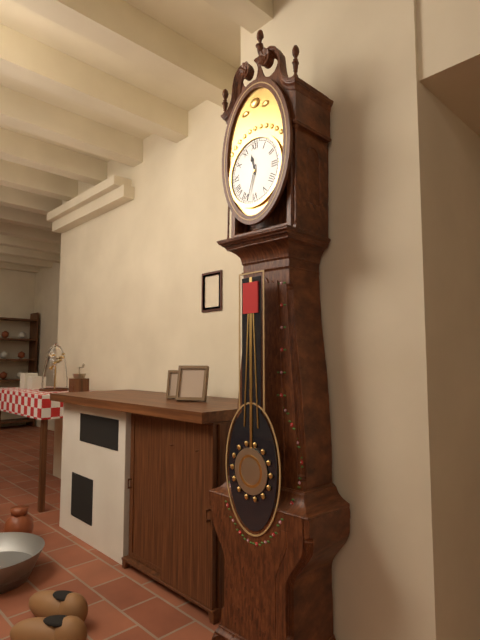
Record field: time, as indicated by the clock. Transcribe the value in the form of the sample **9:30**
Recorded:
**11:33**
